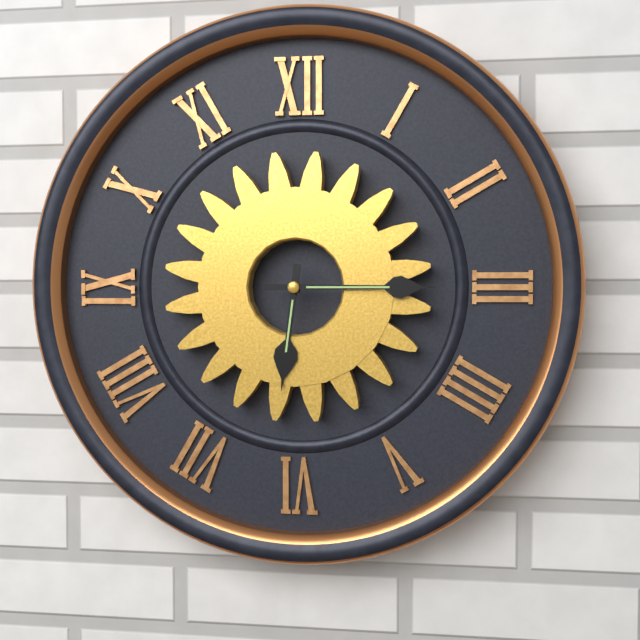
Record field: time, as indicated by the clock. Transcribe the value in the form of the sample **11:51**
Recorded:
**6:15**
